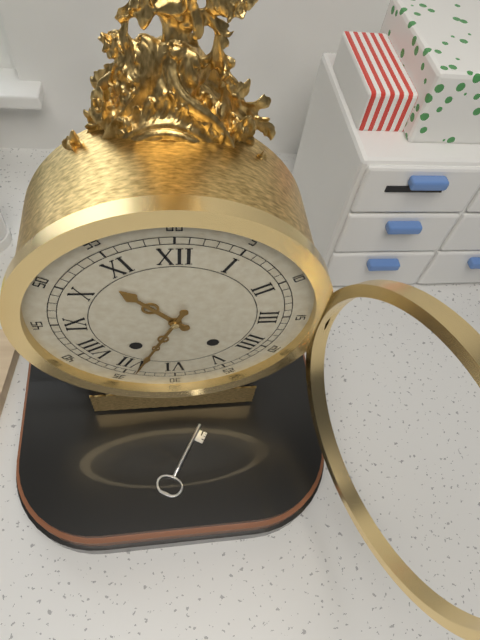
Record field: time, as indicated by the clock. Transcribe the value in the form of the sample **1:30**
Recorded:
**10:34**
